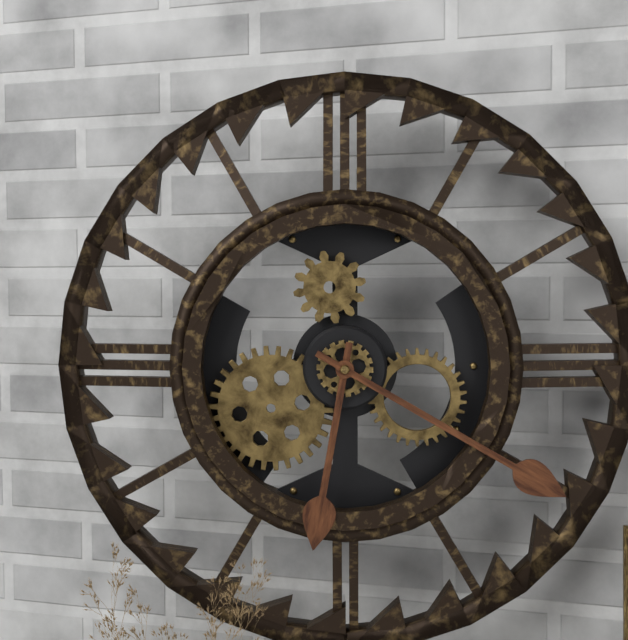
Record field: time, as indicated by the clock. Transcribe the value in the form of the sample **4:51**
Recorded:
**6:20**
